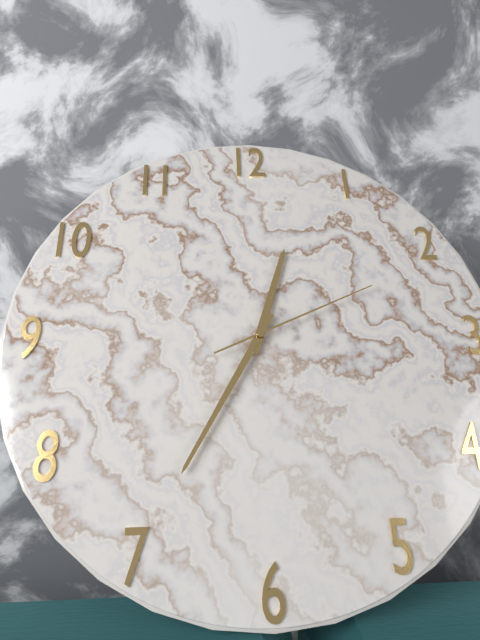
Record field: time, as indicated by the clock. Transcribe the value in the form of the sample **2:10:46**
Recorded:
**12:35:11**
